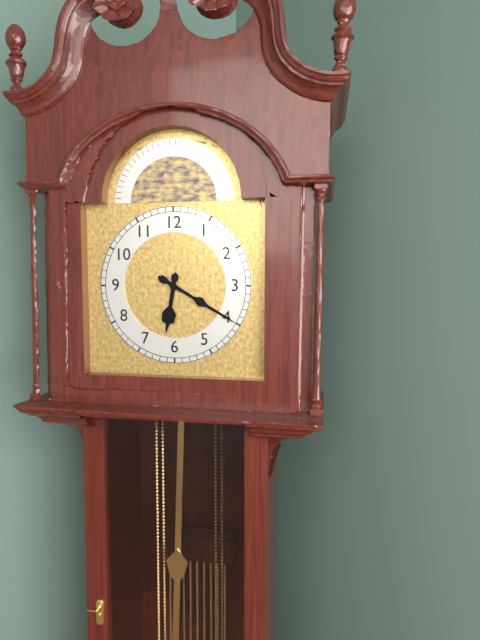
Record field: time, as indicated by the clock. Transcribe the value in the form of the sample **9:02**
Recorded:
**6:20**
